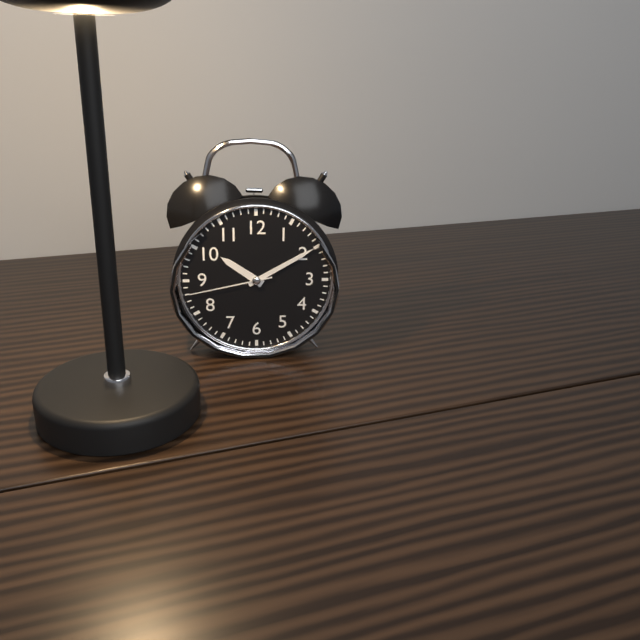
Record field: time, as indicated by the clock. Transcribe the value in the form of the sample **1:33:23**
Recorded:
**10:10:43**
